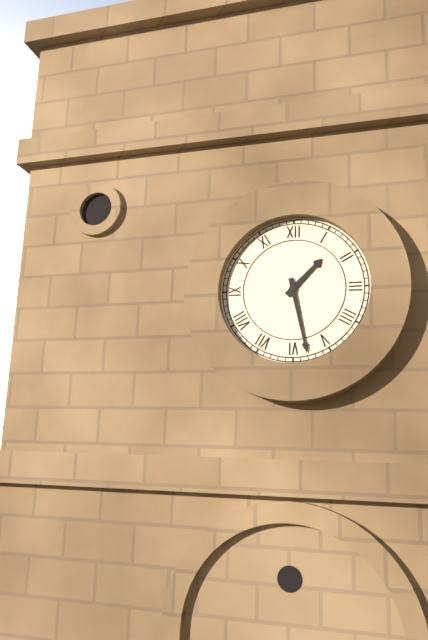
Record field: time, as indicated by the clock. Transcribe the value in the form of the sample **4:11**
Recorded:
**1:28**
